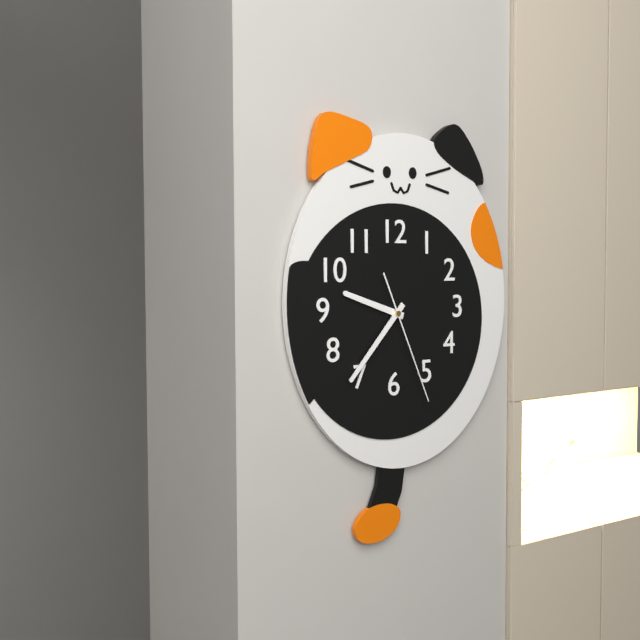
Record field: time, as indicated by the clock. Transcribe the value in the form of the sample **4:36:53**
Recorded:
**9:37:26**
